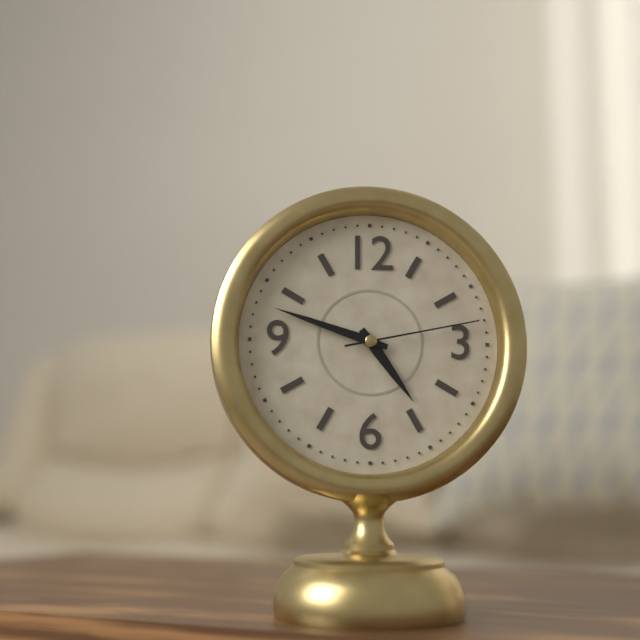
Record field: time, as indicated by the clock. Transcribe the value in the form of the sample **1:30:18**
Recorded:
**4:48:13**
